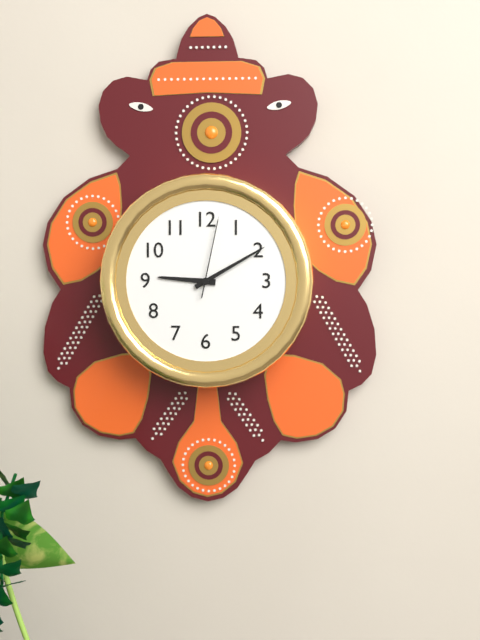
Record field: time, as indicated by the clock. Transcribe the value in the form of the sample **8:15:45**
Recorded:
**9:10:02**
